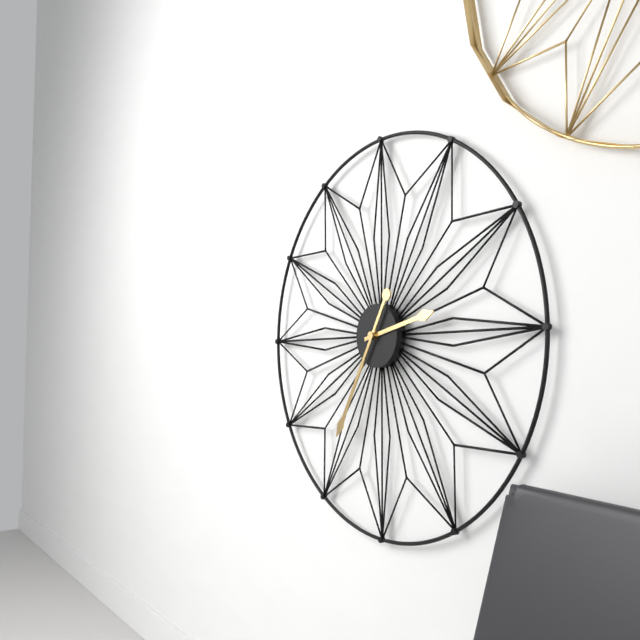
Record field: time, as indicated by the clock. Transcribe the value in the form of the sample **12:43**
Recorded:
**2:35**
